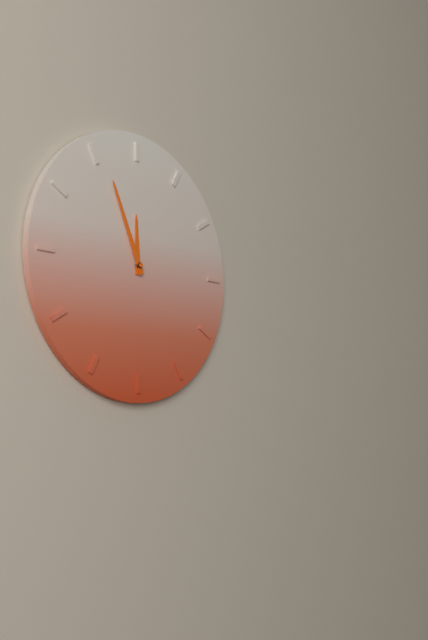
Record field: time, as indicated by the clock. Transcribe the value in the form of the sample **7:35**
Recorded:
**11:56**
